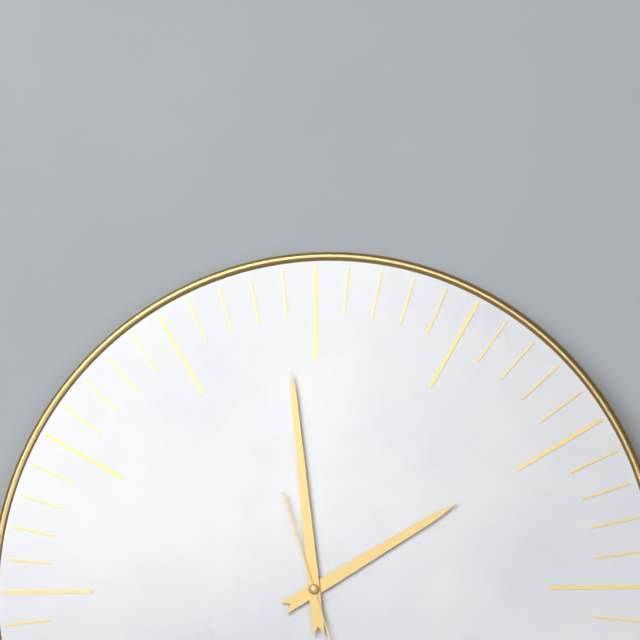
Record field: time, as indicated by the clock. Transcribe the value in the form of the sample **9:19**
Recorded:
**1:59**
